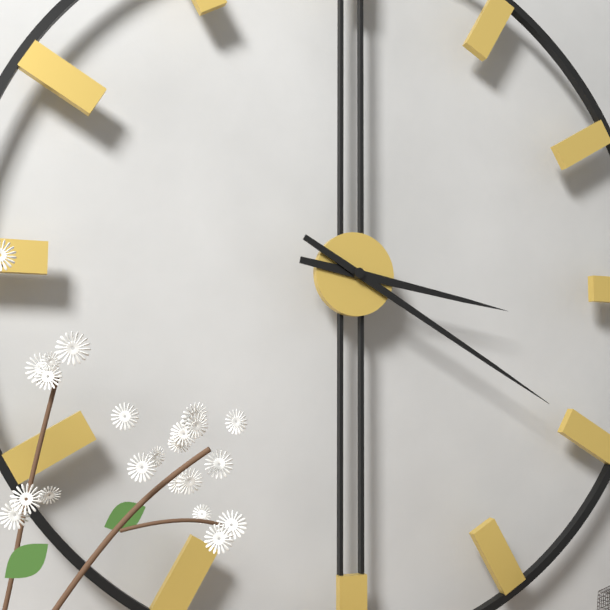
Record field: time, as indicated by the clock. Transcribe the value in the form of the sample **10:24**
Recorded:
**3:20**
